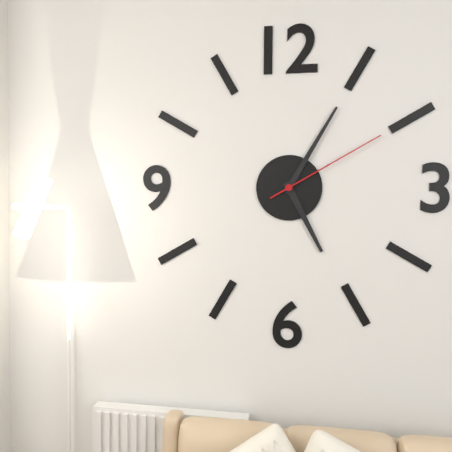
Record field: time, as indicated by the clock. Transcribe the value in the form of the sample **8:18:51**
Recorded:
**5:05:10**
